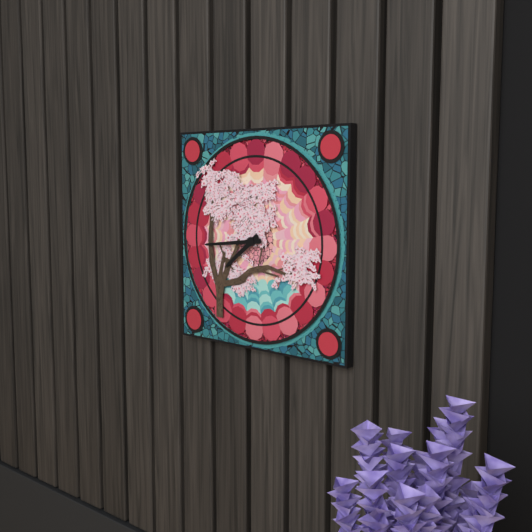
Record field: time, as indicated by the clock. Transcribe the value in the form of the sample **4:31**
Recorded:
**7:44**
